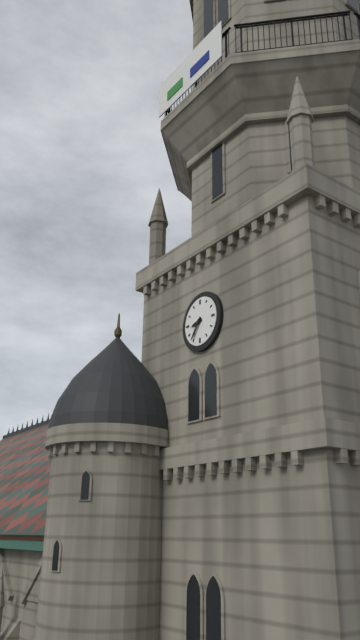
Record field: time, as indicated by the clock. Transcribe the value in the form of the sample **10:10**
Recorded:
**8:36**
